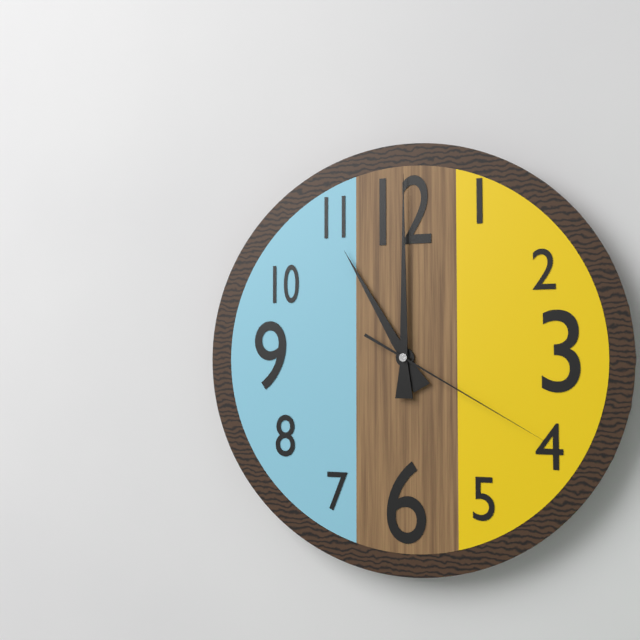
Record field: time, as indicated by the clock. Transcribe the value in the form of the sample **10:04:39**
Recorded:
**11:00:20**
